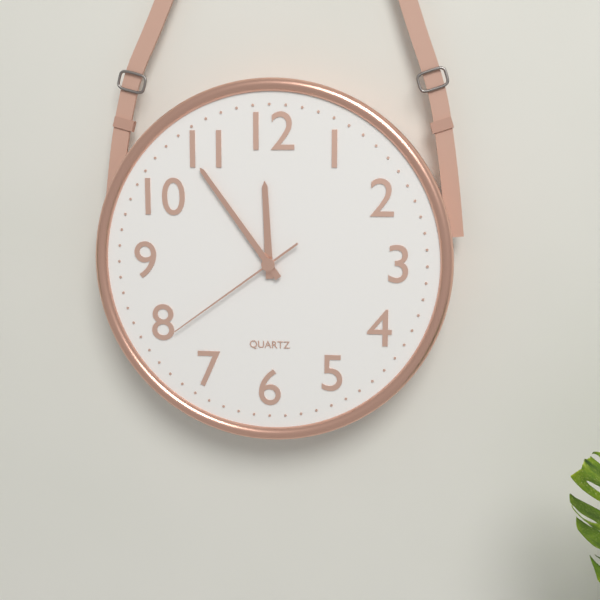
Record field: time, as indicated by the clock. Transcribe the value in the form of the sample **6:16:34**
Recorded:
**11:54:39**
